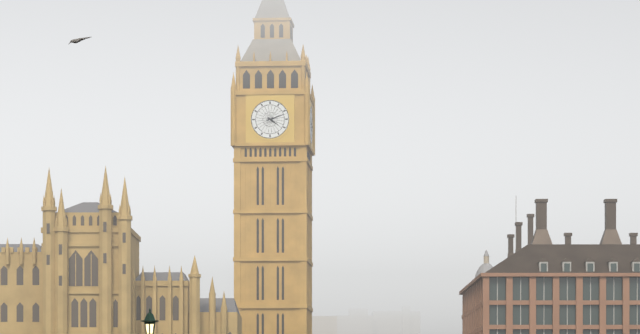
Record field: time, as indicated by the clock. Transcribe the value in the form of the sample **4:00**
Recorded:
**4:12**
